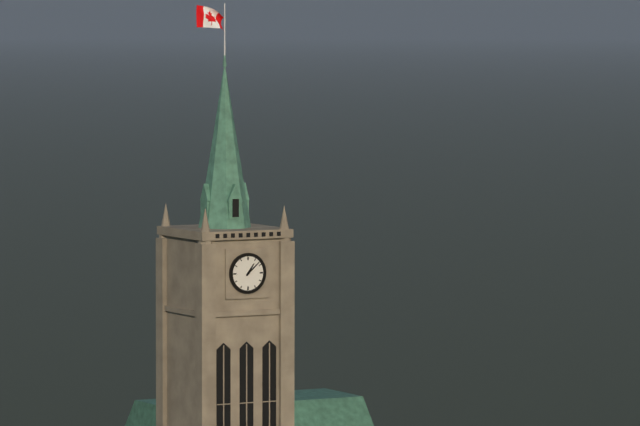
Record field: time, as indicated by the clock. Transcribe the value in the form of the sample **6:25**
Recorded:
**1:08**
